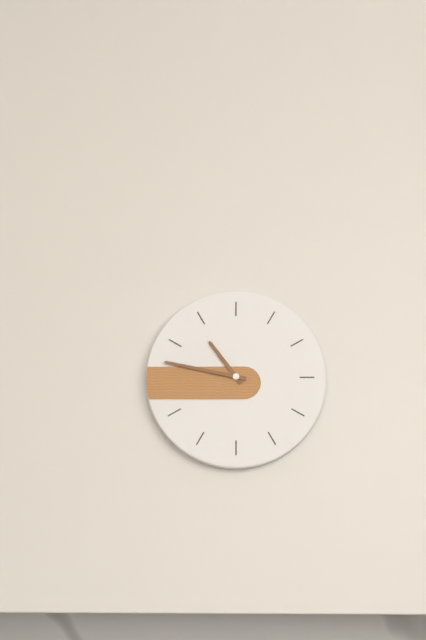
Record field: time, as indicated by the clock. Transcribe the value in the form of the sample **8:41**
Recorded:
**10:47**
